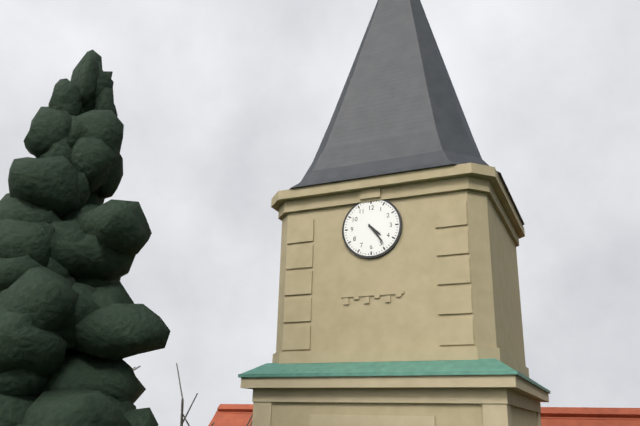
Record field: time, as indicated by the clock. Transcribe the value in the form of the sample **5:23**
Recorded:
**4:24**
